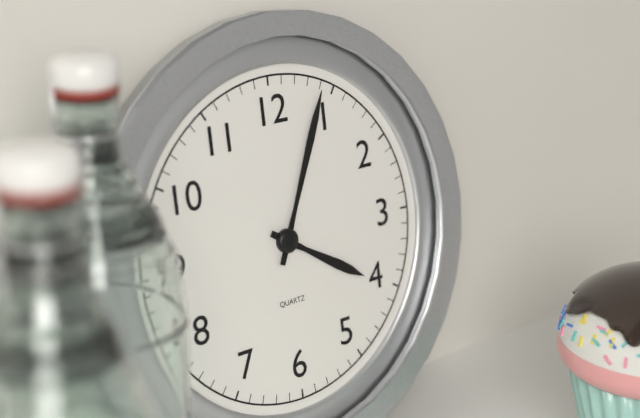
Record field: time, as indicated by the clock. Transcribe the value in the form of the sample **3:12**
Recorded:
**4:04**
